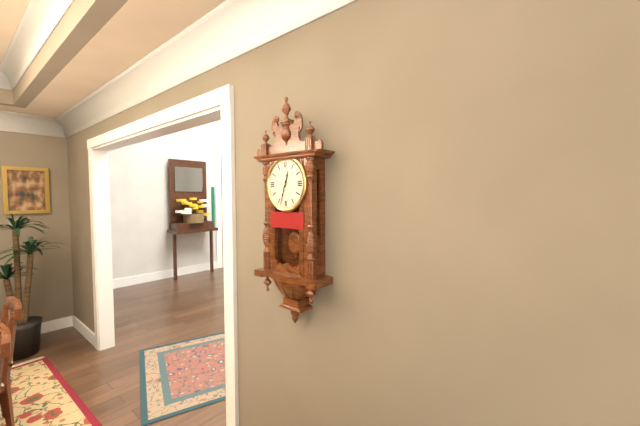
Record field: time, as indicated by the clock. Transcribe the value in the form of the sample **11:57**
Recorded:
**12:33**
